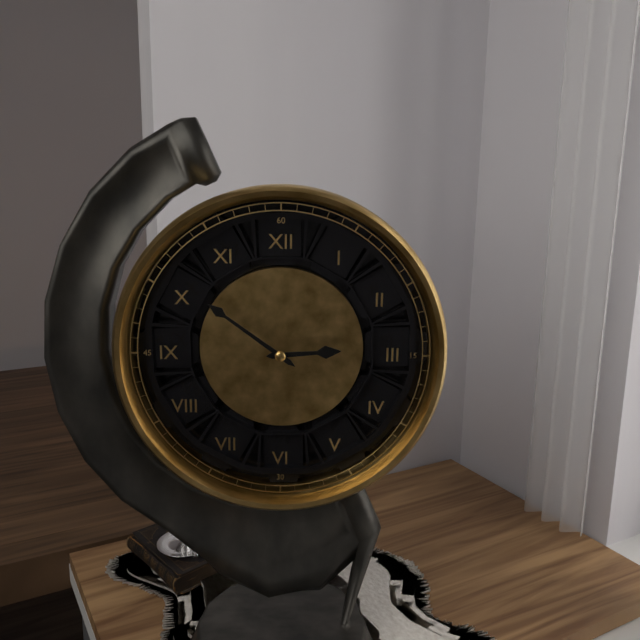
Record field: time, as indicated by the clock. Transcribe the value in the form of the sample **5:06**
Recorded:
**2:51**
